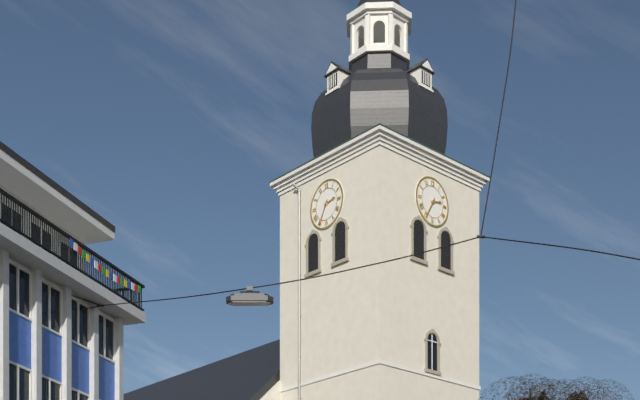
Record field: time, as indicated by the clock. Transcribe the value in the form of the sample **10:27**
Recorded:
**2:35**
